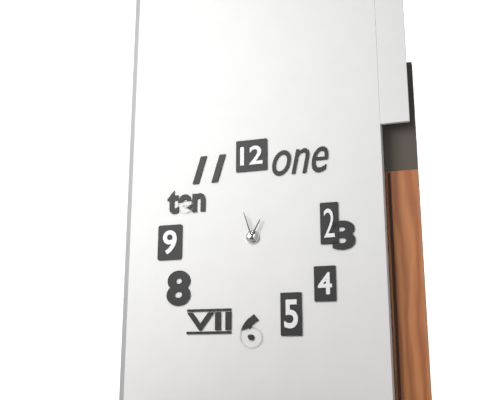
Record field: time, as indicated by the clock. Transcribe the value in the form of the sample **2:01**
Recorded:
**12:57**
